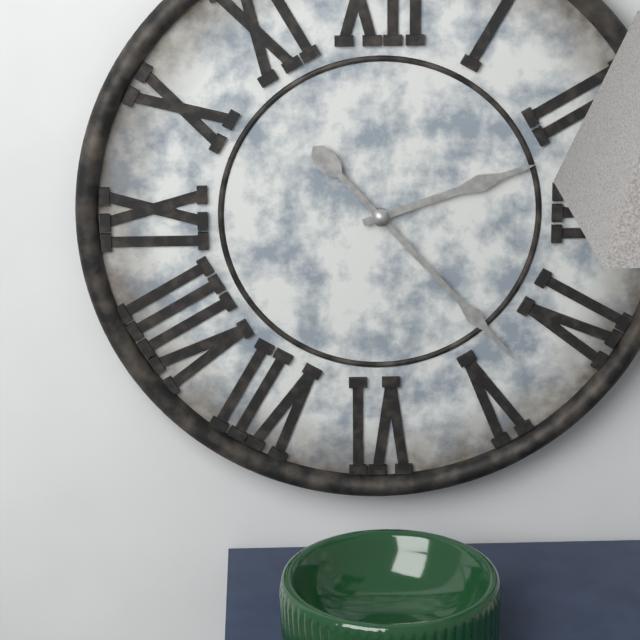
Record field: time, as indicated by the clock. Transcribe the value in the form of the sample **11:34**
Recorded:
**2:23**
